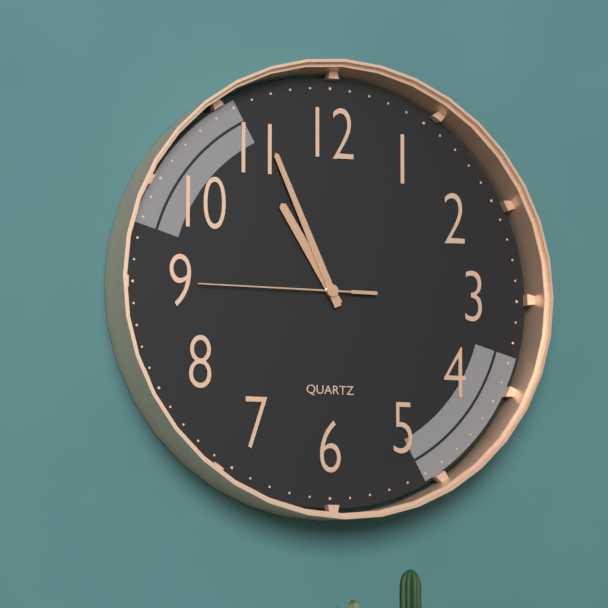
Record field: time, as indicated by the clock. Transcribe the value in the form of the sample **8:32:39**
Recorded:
**10:56:45**
